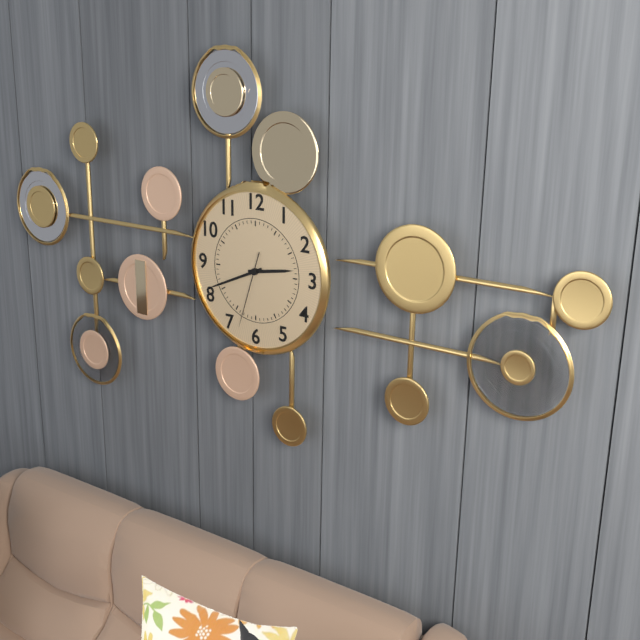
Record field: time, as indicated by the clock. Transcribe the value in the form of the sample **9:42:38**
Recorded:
**2:41:33**
